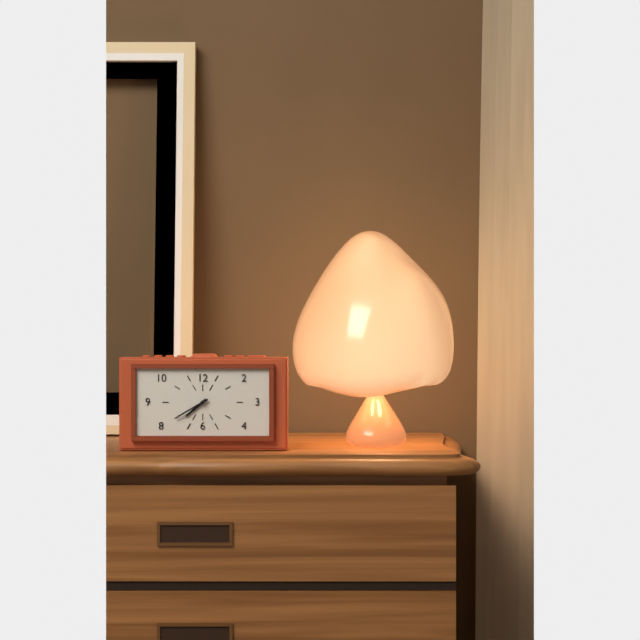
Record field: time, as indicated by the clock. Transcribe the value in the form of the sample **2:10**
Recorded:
**7:40**
